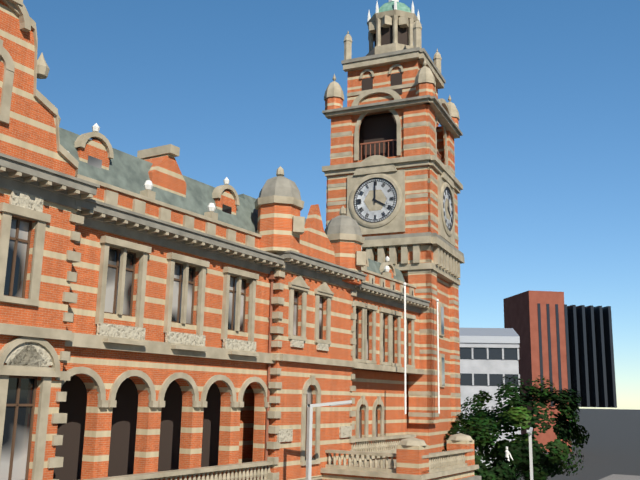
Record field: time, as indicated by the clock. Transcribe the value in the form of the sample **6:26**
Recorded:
**4:00**
